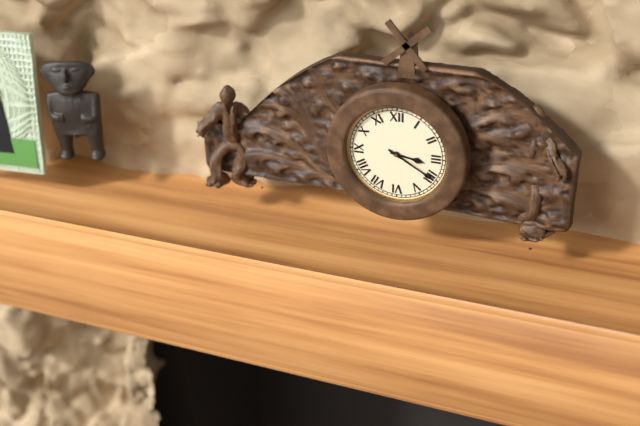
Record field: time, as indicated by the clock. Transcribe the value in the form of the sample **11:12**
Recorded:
**3:20**
